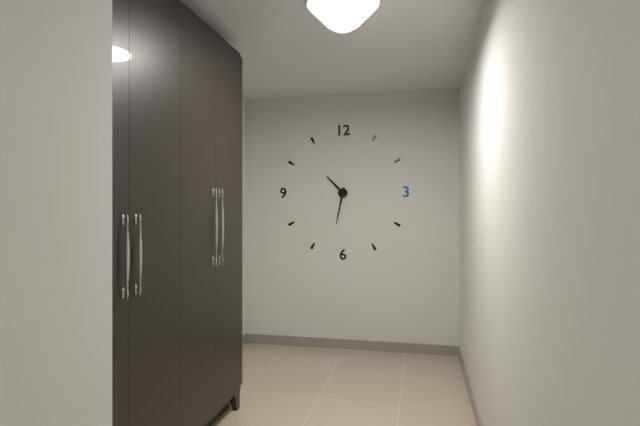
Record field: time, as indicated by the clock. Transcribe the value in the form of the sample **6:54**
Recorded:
**10:32**
